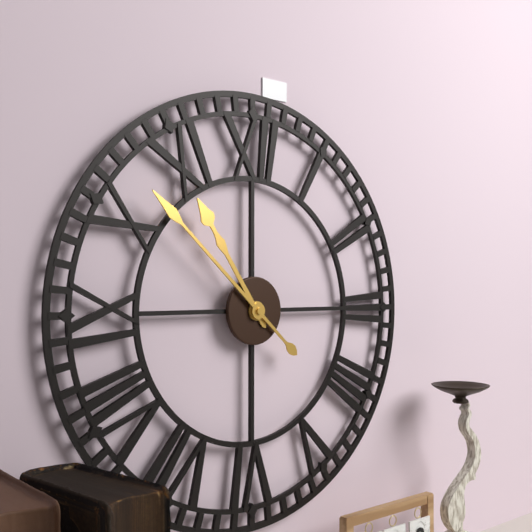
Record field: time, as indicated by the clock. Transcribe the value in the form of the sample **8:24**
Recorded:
**10:52**
